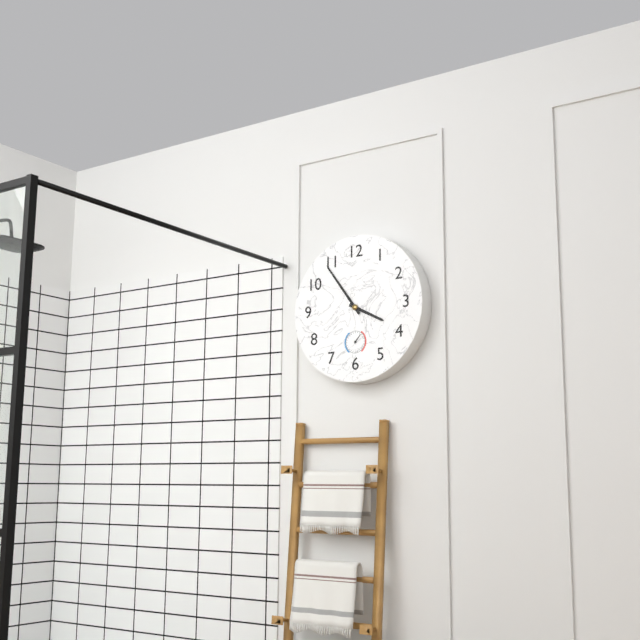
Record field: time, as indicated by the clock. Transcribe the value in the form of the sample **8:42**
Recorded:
**3:54**
